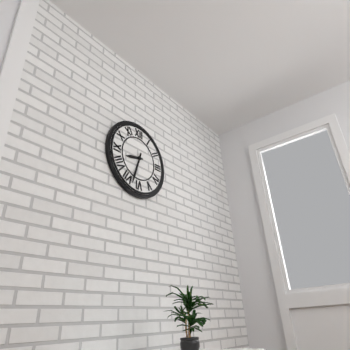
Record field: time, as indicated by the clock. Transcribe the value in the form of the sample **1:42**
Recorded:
**8:33**
